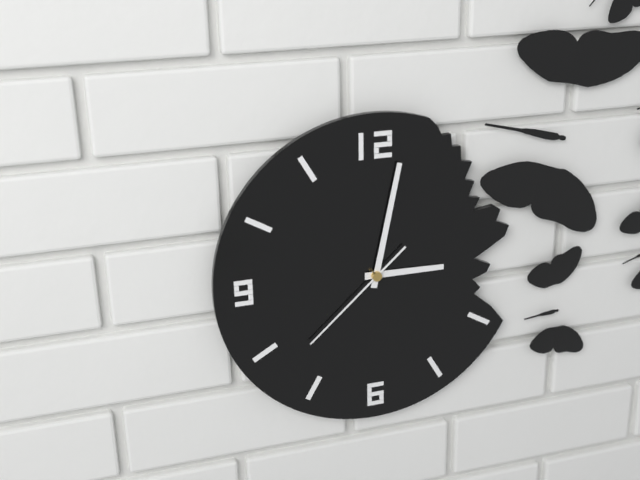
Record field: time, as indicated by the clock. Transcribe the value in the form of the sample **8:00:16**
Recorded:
**3:02:38**
